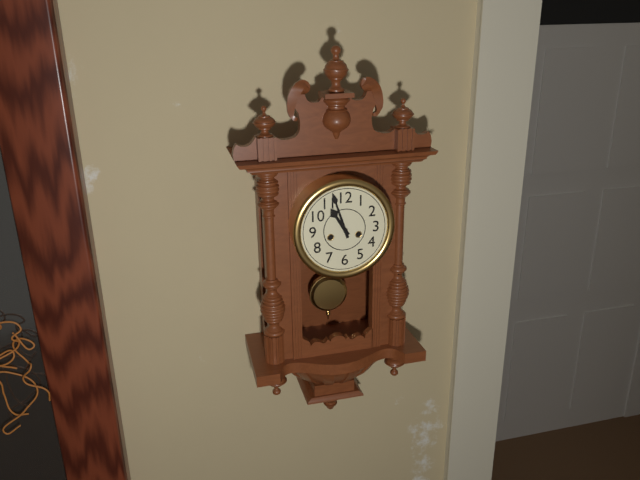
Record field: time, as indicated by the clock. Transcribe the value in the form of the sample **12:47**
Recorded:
**10:57**
